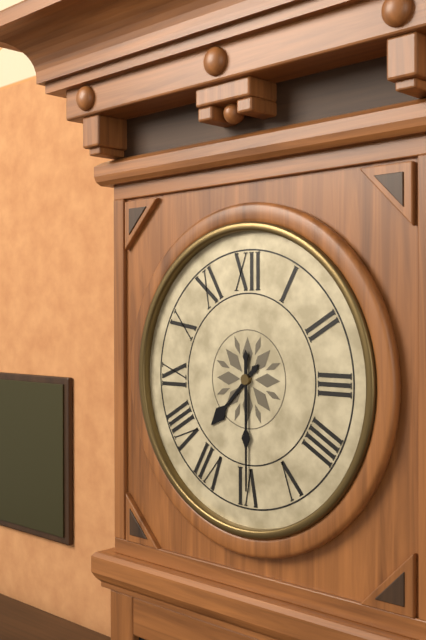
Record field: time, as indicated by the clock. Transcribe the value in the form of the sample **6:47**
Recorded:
**7:30**
